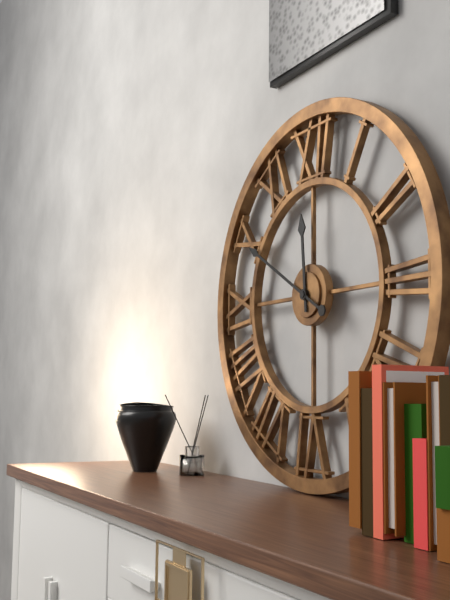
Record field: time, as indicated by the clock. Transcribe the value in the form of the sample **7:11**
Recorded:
**11:50**
